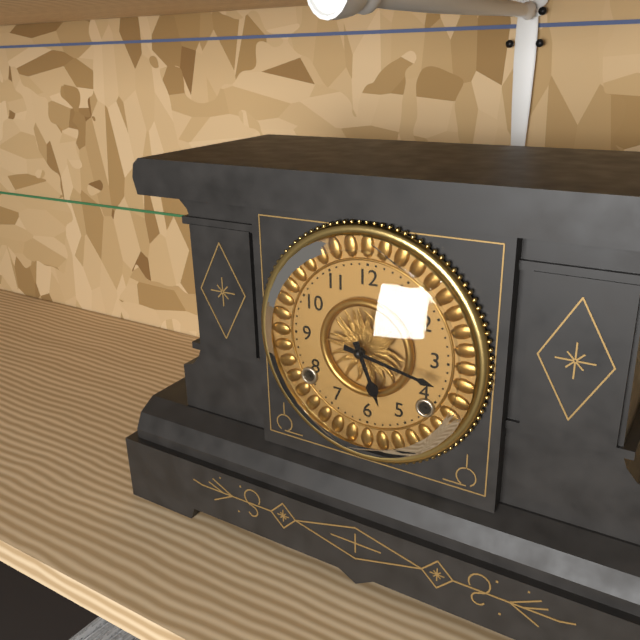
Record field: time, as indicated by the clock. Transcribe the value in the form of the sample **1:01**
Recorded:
**5:17**
